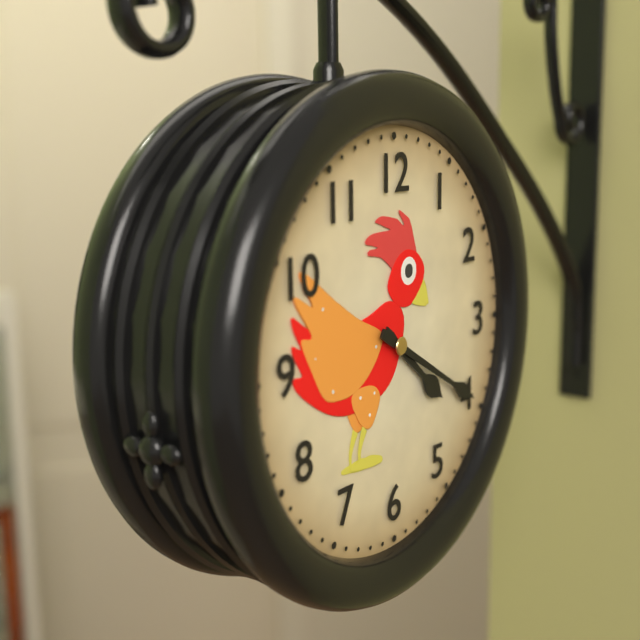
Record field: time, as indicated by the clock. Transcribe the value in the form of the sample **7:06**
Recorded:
**4:20**
